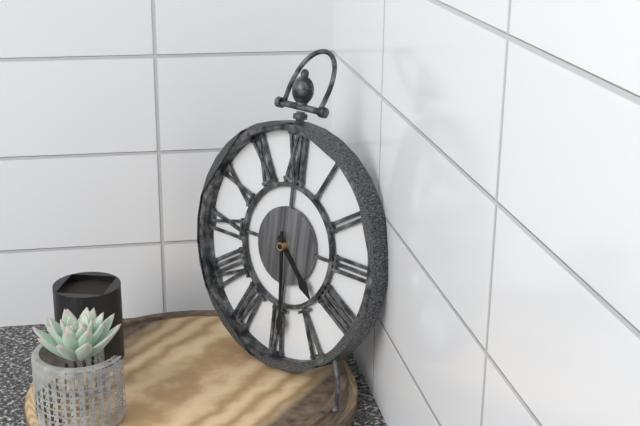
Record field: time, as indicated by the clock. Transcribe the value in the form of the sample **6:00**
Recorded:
**4:29**
